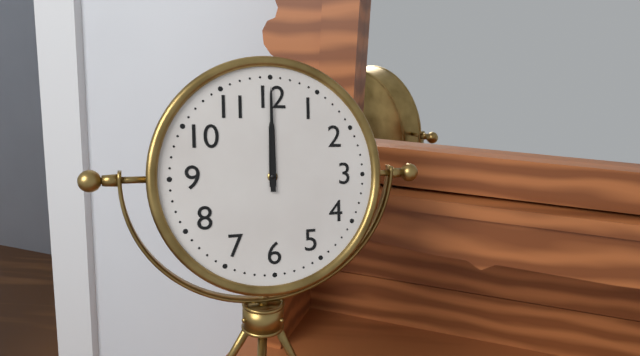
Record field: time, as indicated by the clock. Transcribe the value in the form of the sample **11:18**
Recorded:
**12:00**
